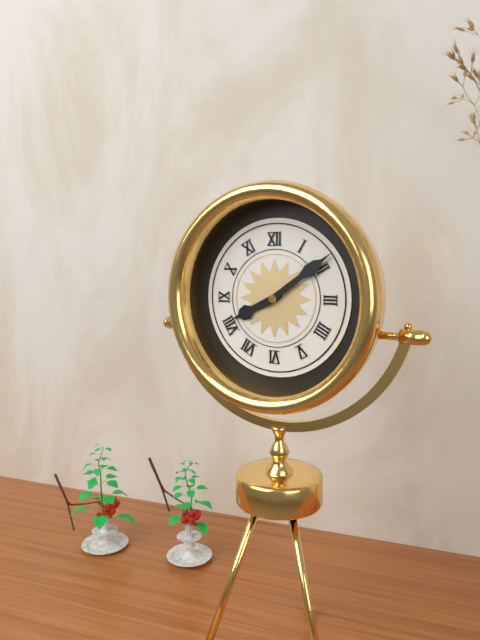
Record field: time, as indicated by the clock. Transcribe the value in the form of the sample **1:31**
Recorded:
**8:09**
